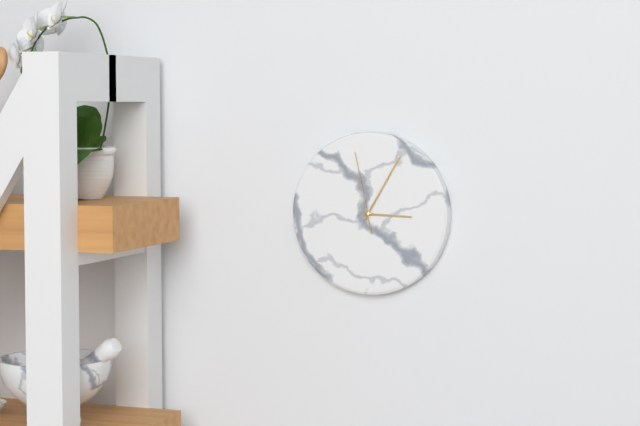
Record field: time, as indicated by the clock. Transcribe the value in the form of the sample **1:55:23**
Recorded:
**3:05:58**
